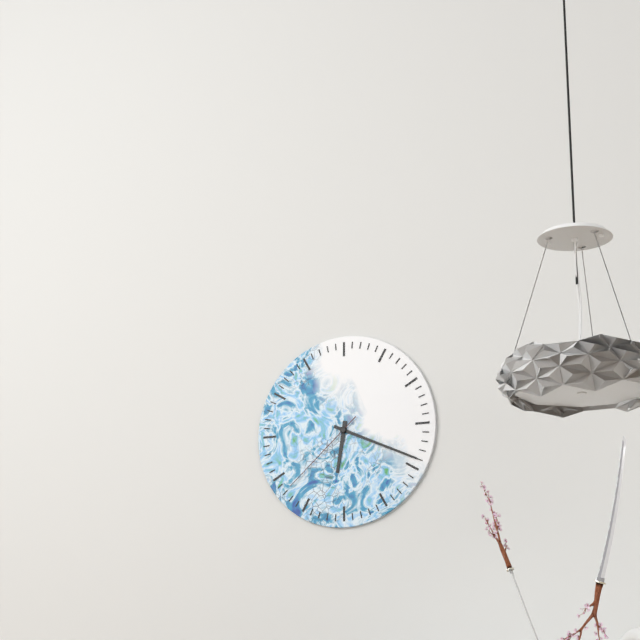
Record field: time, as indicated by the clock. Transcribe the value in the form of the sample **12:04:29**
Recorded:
**6:19:38**
